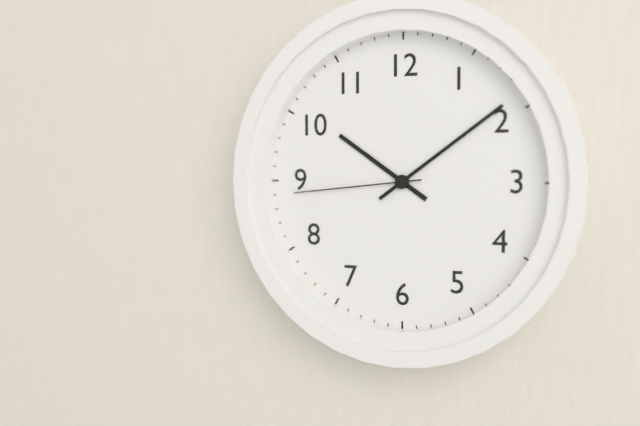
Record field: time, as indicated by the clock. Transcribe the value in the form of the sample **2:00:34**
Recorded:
**10:09:44**
